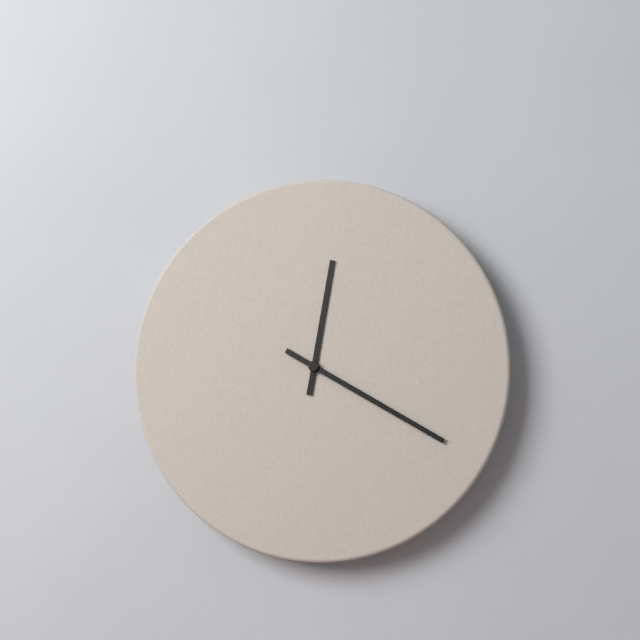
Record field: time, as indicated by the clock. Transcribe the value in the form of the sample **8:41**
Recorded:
**12:20**
